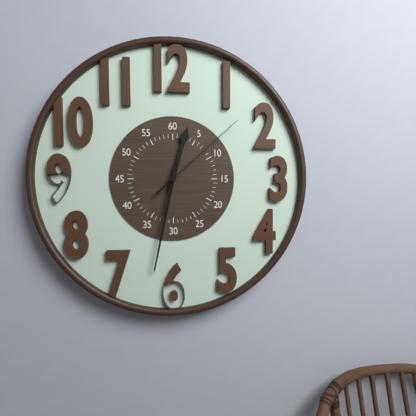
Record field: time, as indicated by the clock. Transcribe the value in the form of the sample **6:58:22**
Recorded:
**12:32:08**
